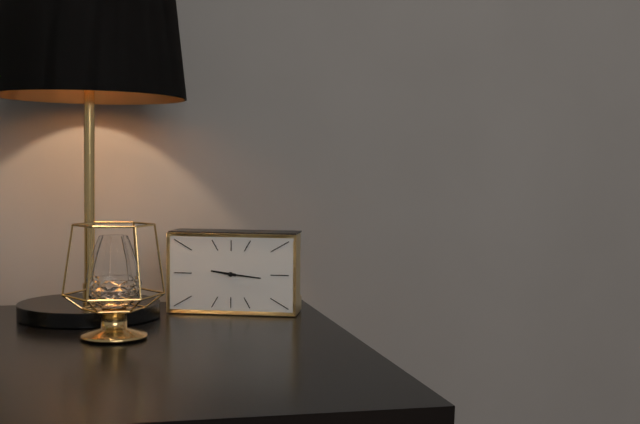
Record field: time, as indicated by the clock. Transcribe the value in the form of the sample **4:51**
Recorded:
**9:16**
